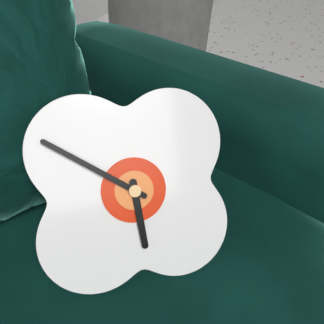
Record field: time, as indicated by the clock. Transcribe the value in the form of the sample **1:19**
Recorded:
**5:51**
